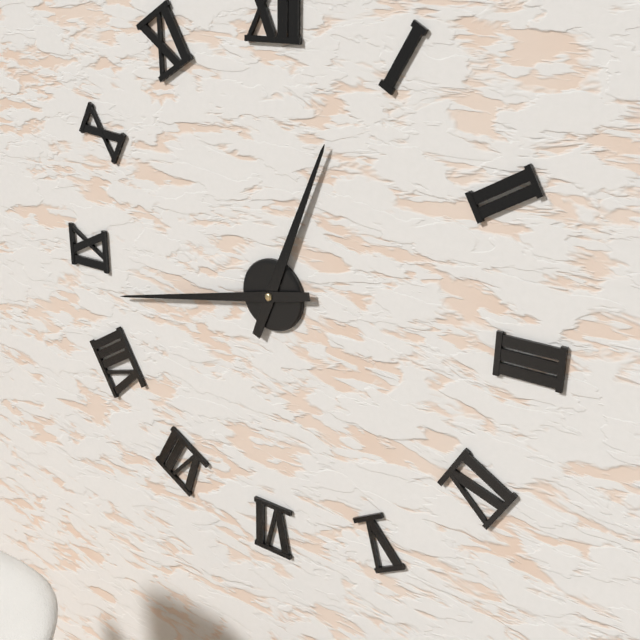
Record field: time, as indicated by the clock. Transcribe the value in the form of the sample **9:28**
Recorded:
**12:43**
